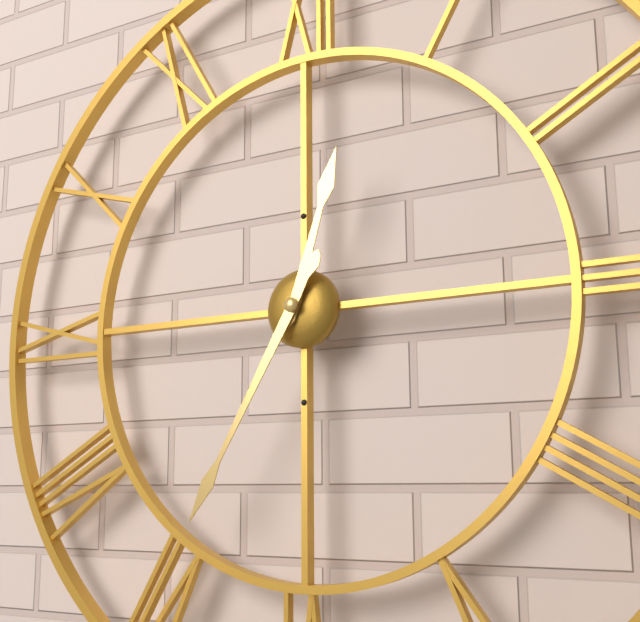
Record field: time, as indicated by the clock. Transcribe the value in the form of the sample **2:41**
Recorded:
**12:35**
